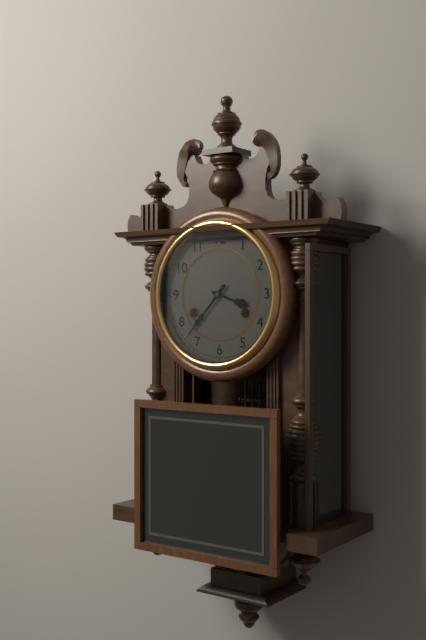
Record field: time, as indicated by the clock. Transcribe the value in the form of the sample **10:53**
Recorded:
**3:37**
